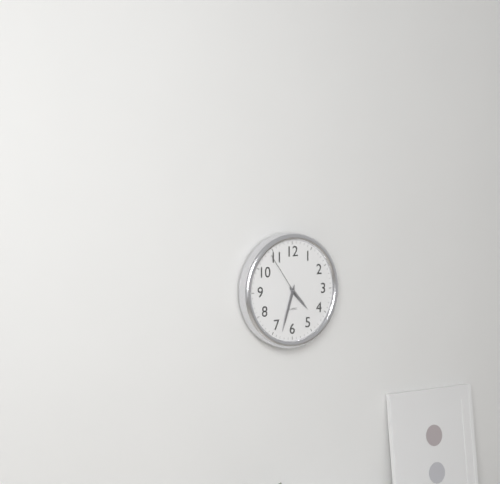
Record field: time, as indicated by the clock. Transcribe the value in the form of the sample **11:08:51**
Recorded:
**4:33:54**
